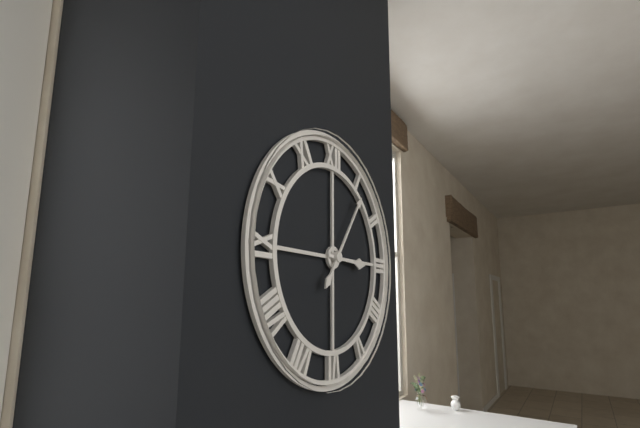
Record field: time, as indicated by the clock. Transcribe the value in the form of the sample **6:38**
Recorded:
**3:06**
